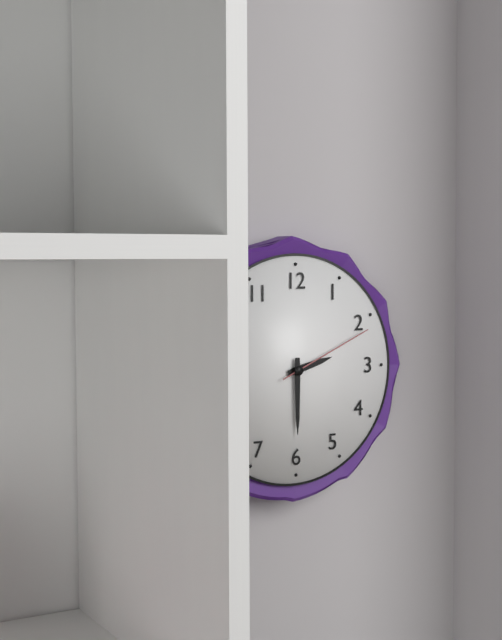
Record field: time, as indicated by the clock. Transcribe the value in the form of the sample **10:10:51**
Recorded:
**2:30:11**
